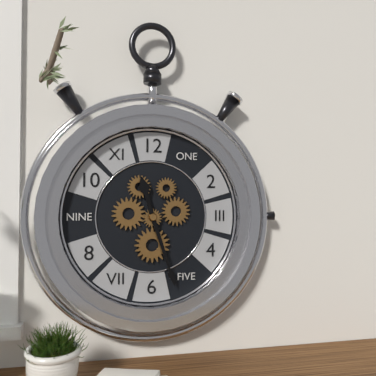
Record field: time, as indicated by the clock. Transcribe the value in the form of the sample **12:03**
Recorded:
**11:27**
